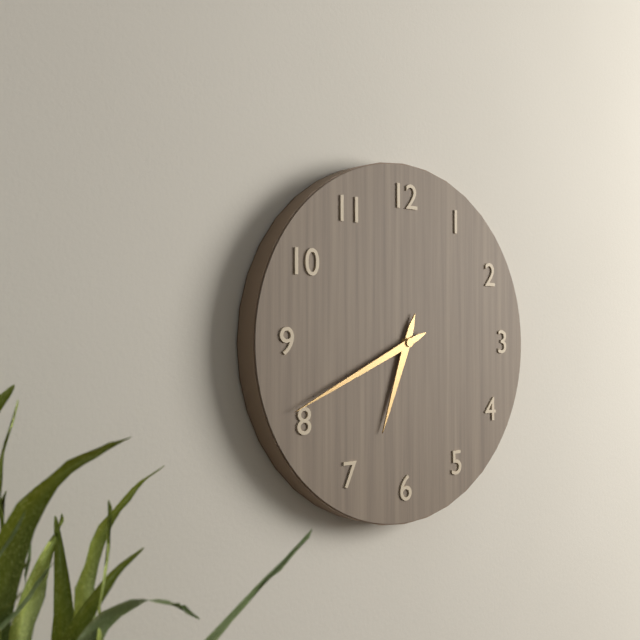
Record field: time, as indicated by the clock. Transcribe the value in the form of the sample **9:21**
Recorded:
**6:41**
